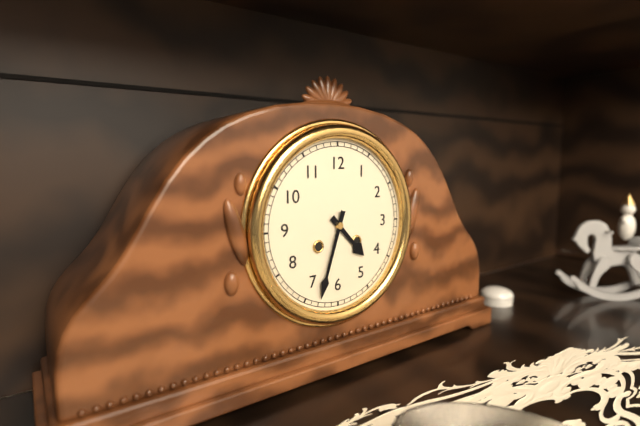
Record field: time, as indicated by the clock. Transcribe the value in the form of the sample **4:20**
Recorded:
**4:33**
